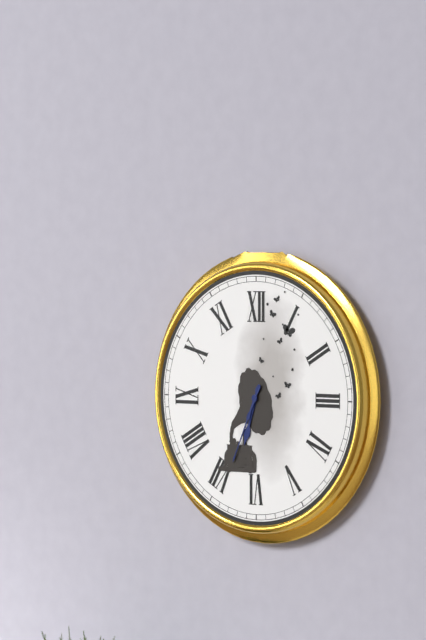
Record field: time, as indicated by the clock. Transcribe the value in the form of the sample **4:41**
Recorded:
**6:34**
